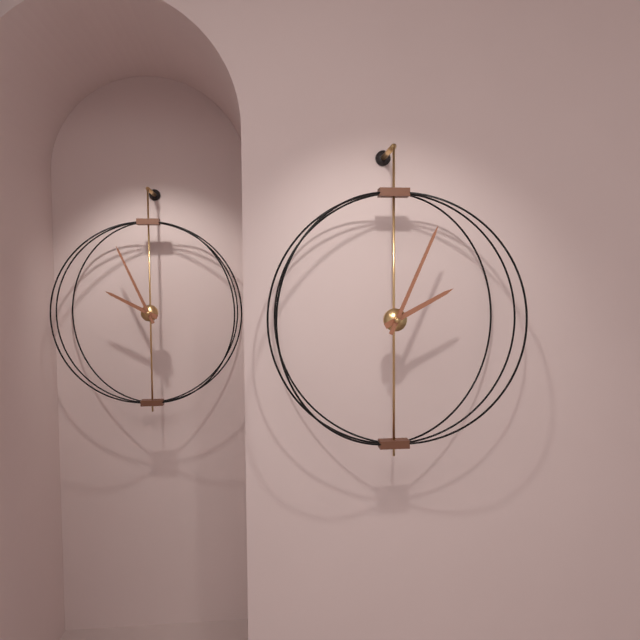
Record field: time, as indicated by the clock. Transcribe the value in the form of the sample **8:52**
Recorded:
**2:04**
